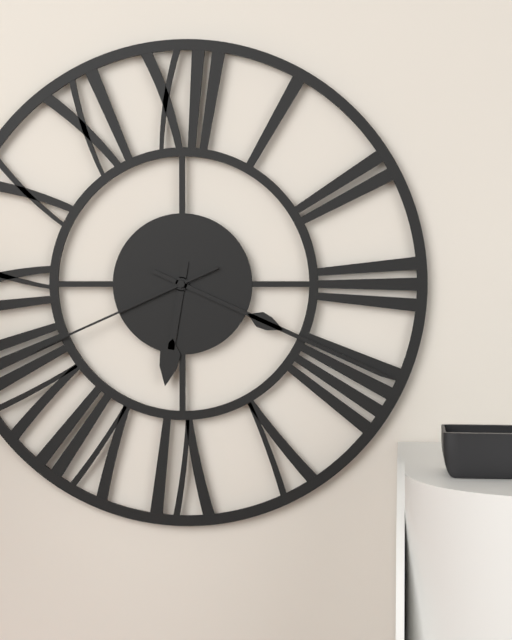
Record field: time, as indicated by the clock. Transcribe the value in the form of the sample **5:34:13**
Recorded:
**6:19:41**
